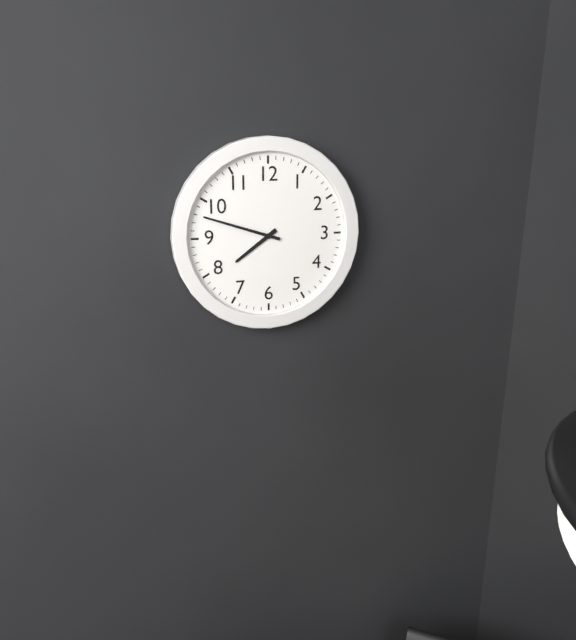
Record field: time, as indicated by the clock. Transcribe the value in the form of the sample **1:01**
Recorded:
**7:48**
